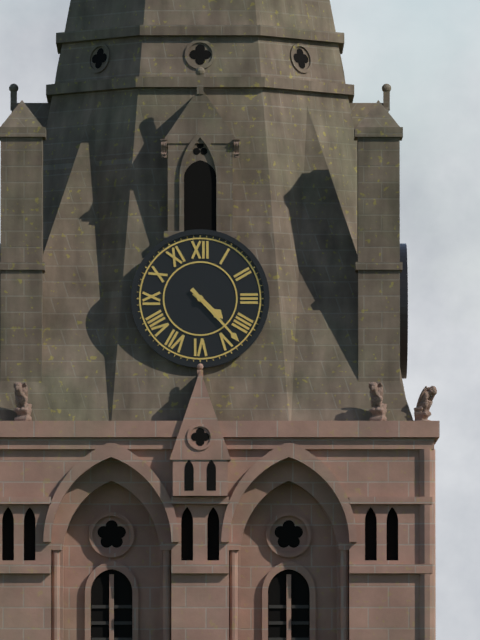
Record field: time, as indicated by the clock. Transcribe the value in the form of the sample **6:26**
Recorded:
**4:23**
